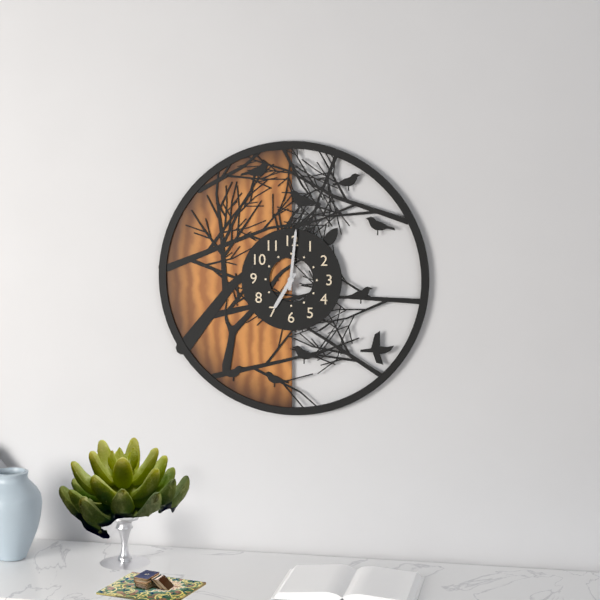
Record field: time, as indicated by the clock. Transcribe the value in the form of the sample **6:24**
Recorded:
**7:01**
